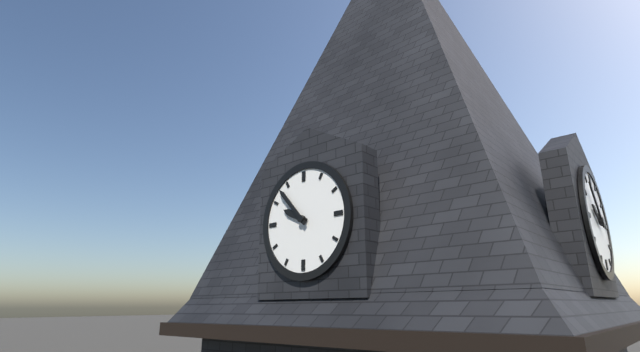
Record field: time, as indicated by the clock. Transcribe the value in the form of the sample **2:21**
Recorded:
**9:53**
